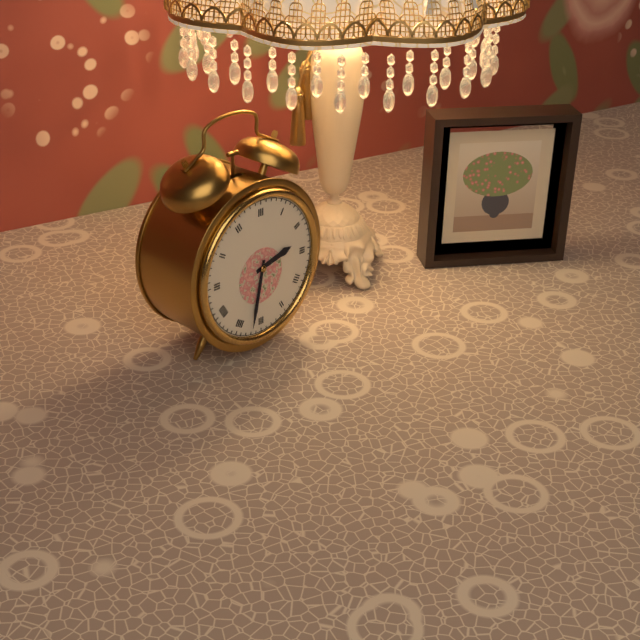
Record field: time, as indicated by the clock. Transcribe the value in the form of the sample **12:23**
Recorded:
**2:32**
